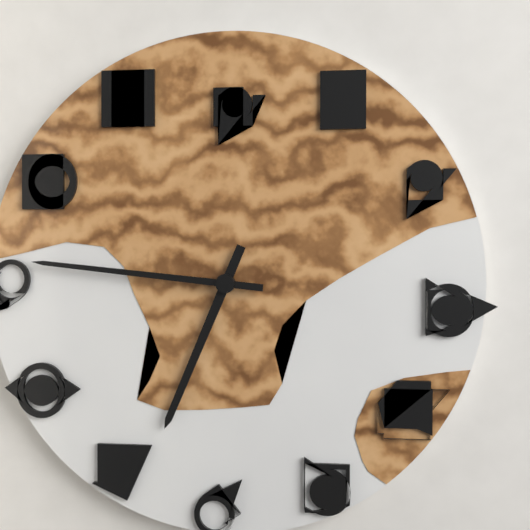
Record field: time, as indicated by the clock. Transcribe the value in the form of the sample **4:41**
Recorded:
**6:46**
